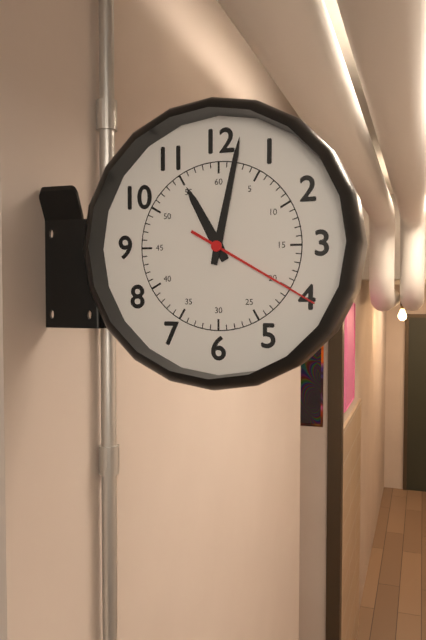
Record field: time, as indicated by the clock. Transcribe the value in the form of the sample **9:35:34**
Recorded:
**11:02:20**
